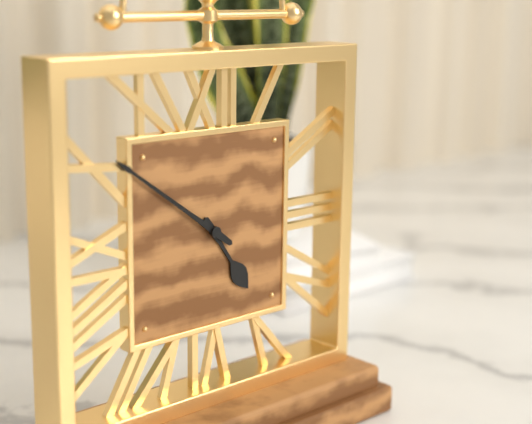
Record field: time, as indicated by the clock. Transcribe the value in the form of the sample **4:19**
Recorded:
**4:51**
